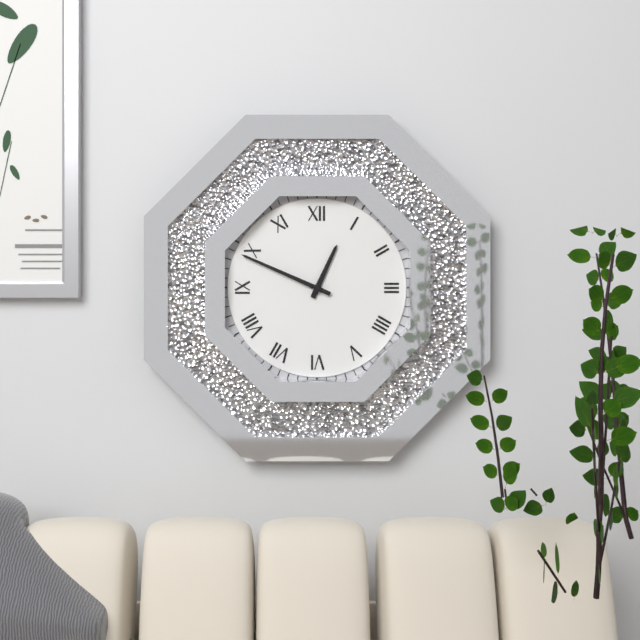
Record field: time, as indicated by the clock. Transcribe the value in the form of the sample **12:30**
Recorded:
**12:49**
